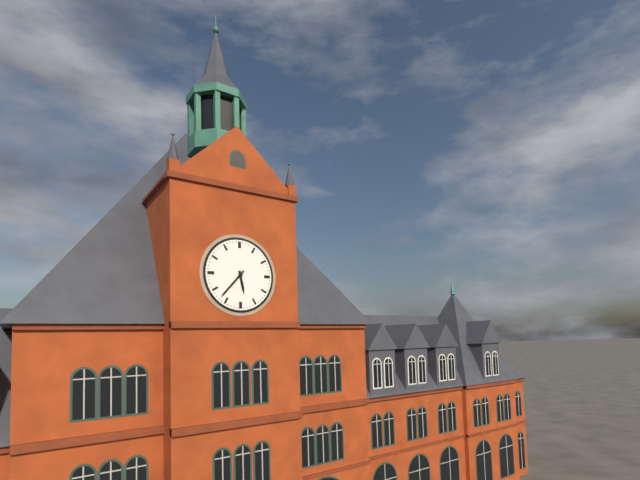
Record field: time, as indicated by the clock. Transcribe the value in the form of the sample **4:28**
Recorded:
**5:37**
